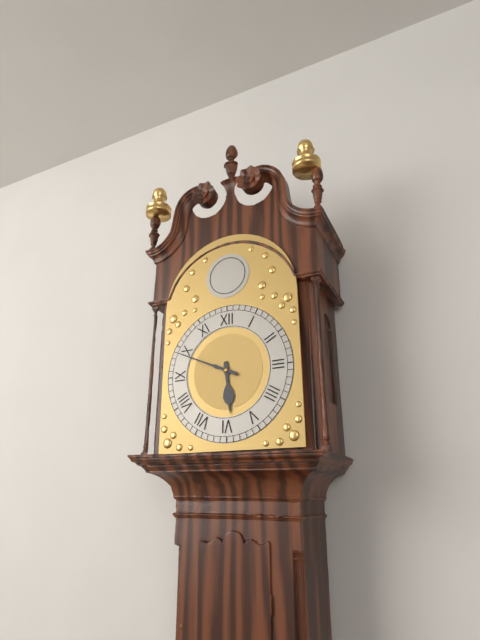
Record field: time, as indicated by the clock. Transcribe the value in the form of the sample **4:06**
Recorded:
**5:49**
